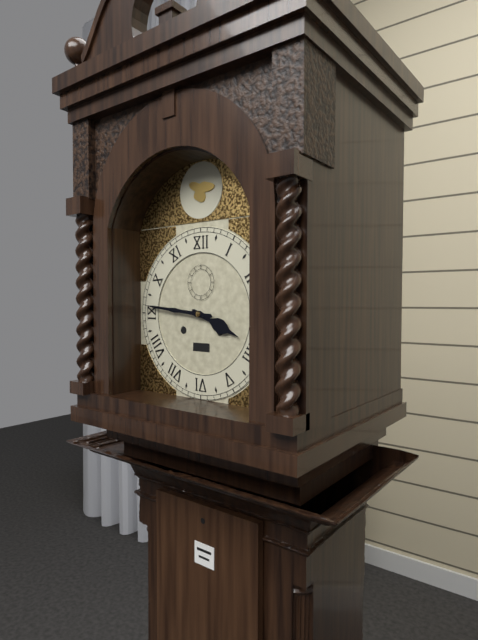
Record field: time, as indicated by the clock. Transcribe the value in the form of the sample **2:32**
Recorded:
**3:46**
